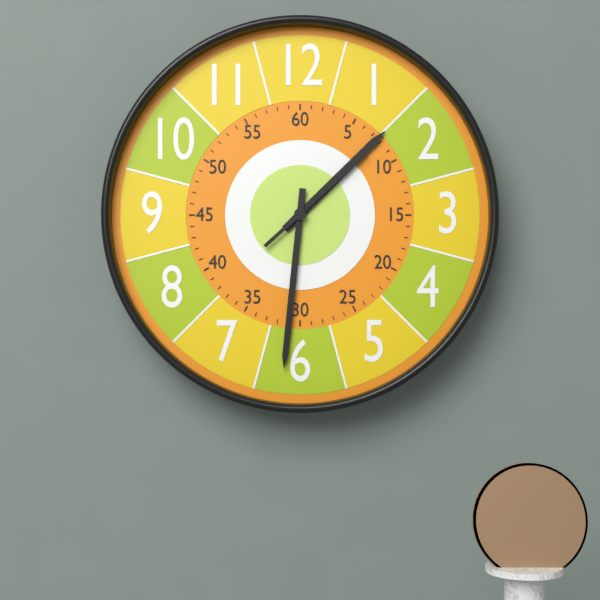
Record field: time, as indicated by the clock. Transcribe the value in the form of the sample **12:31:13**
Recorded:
**1:31:08**
